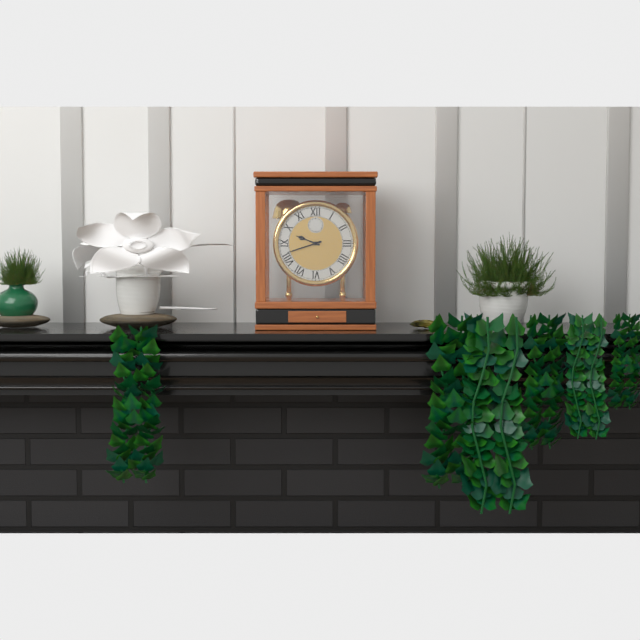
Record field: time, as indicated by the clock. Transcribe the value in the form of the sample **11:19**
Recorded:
**9:42**
